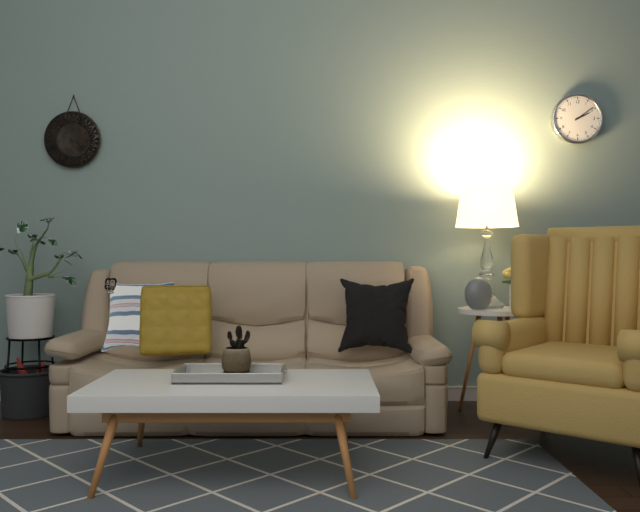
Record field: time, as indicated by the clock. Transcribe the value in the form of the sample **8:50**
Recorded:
**2:09**
